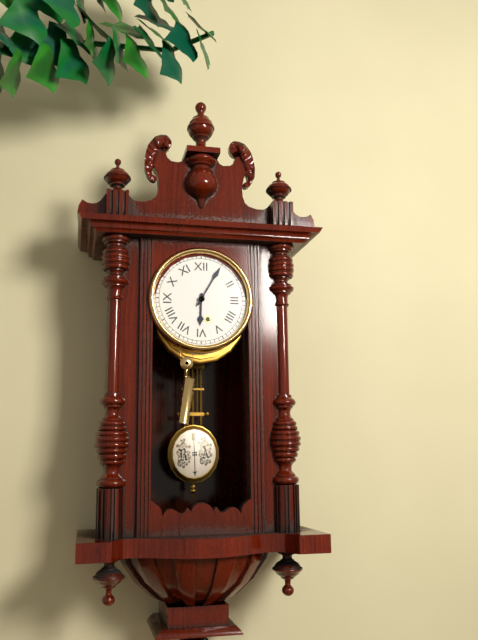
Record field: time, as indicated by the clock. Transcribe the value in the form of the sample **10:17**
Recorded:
**6:05**
